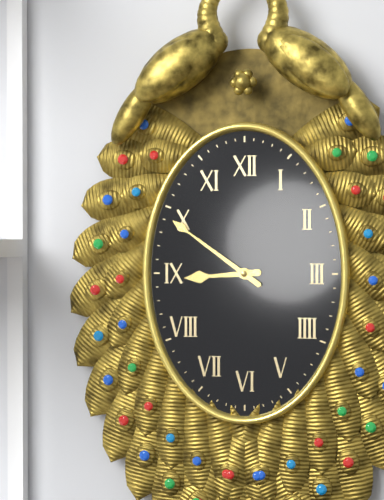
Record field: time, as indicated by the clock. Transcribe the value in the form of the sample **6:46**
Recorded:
**8:51**
